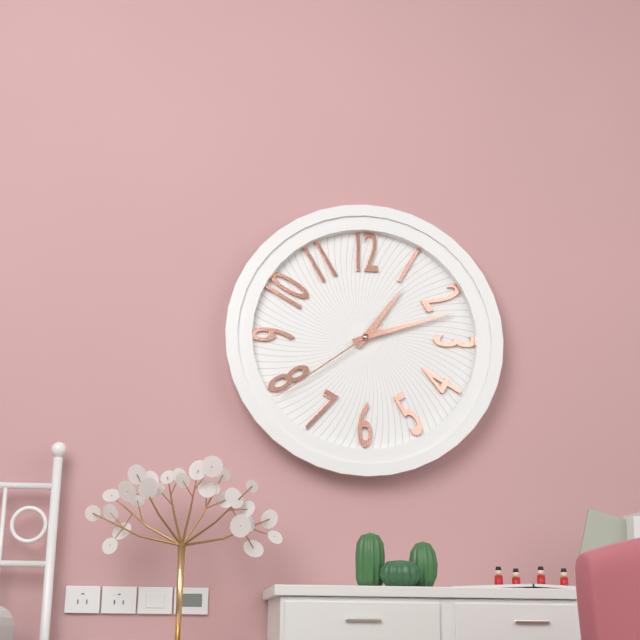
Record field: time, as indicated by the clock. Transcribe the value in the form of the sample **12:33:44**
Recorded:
**1:12:39**
